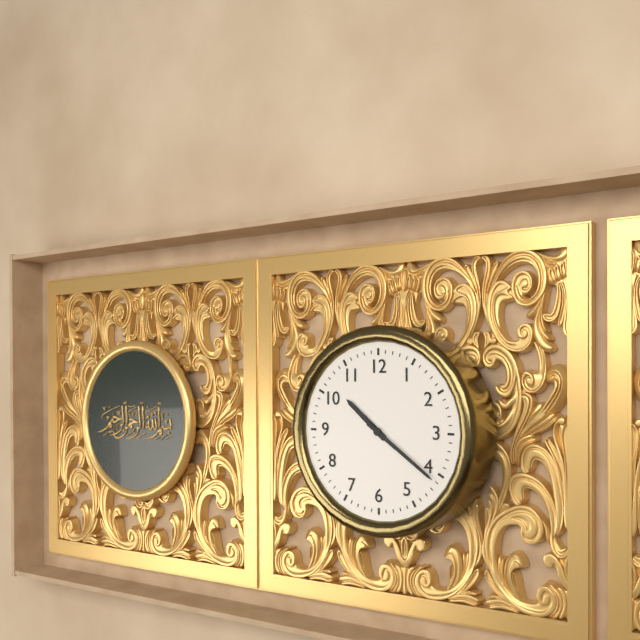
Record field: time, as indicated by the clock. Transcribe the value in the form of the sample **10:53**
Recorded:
**10:21**
